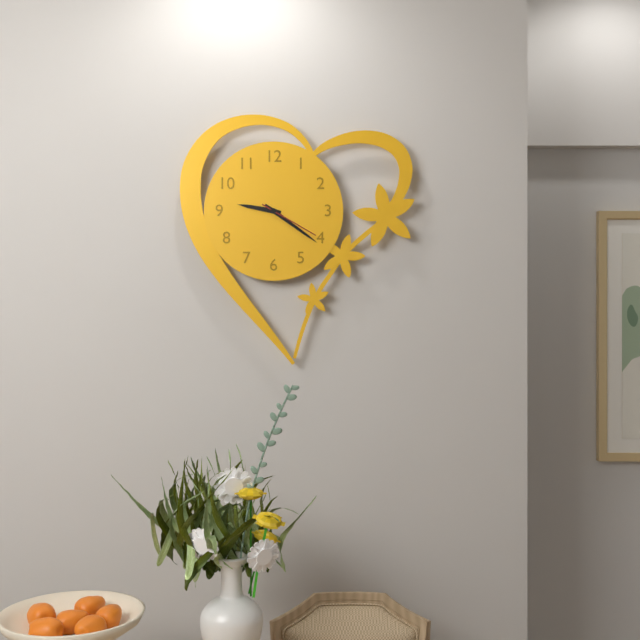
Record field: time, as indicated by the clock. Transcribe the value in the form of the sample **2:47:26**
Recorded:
**9:21:20**
